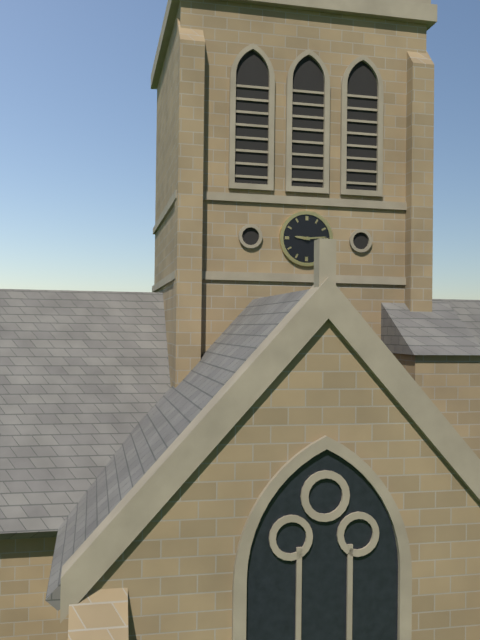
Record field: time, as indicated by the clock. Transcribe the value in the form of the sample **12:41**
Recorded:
**9:14**
